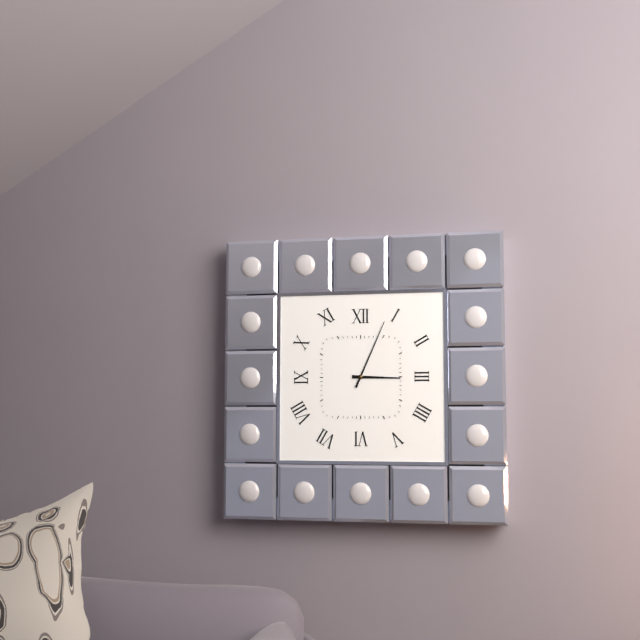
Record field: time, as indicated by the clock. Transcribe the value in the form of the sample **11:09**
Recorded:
**3:04**
